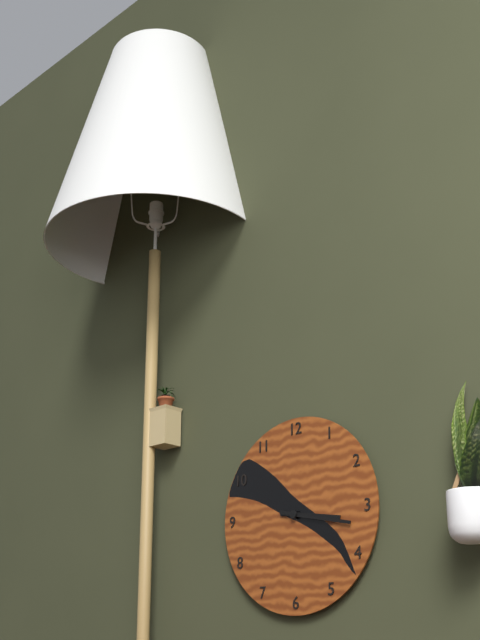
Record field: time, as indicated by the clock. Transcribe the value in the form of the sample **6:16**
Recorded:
**3:17**
